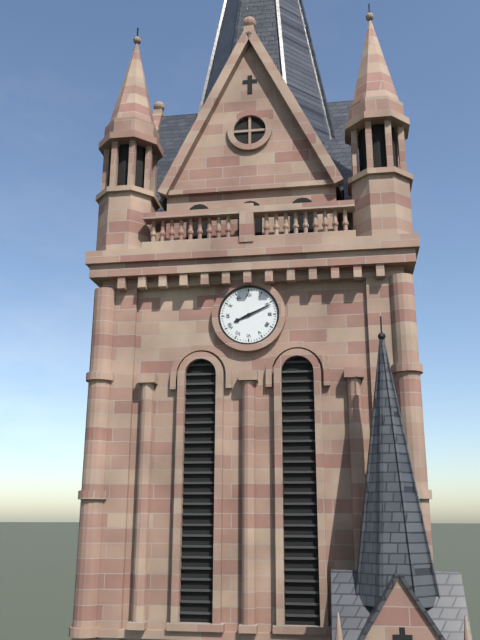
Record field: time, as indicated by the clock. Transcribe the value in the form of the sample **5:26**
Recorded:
**8:11**
